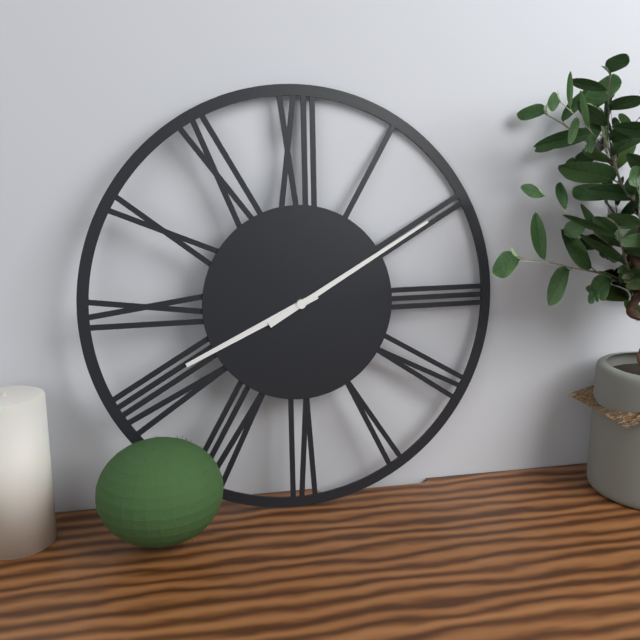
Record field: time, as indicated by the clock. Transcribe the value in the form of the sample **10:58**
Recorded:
**8:10**
